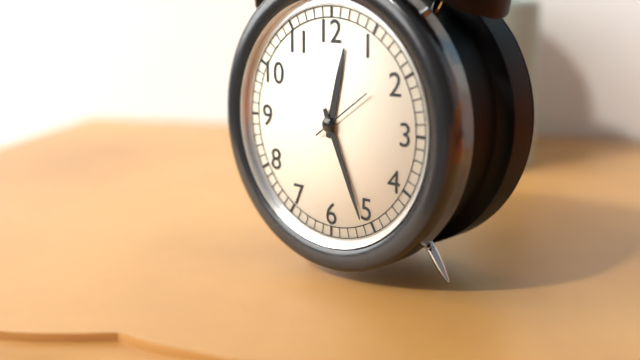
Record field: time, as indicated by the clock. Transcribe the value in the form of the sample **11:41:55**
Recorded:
**12:26:09**
